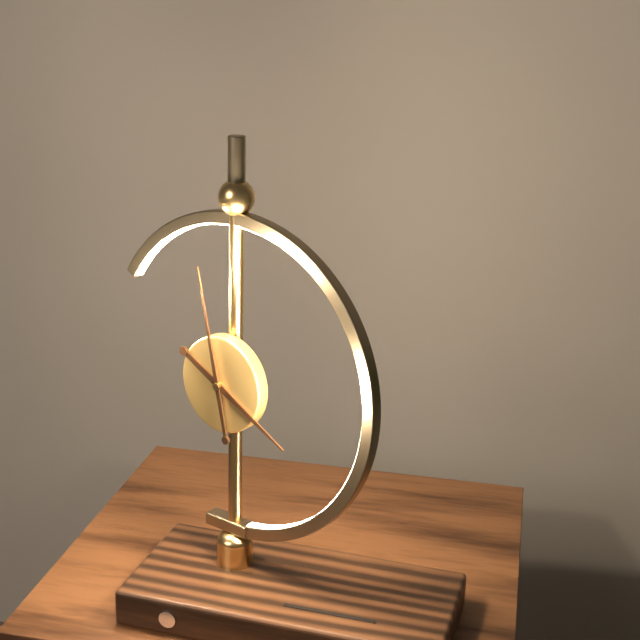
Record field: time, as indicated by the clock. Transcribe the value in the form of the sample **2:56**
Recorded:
**3:58**
